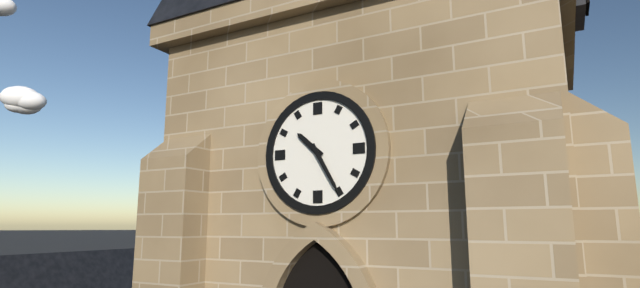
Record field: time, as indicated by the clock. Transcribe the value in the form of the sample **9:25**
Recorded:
**10:25**
